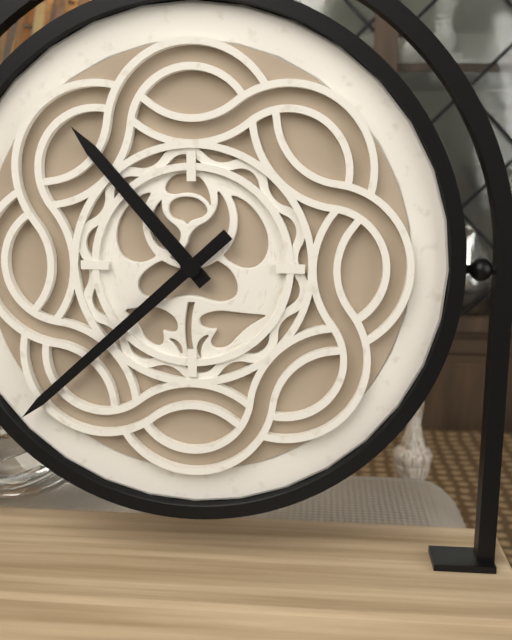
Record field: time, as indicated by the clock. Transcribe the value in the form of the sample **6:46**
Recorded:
**10:38**
